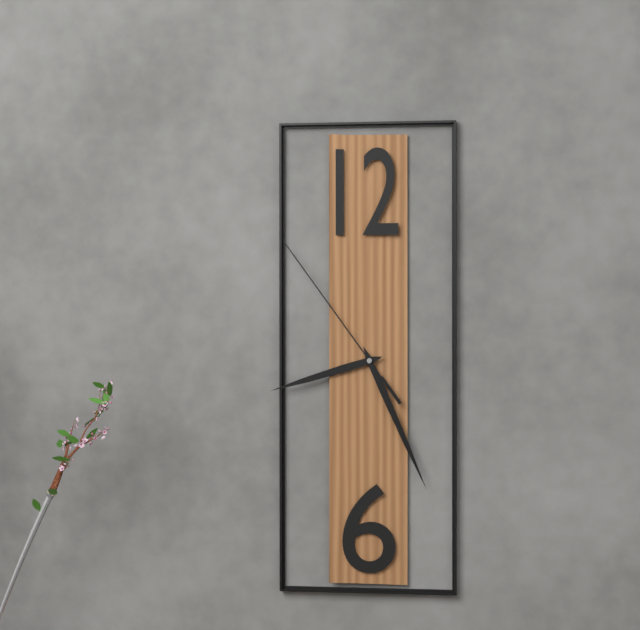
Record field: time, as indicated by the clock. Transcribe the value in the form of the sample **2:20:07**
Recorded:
**8:26:54**
